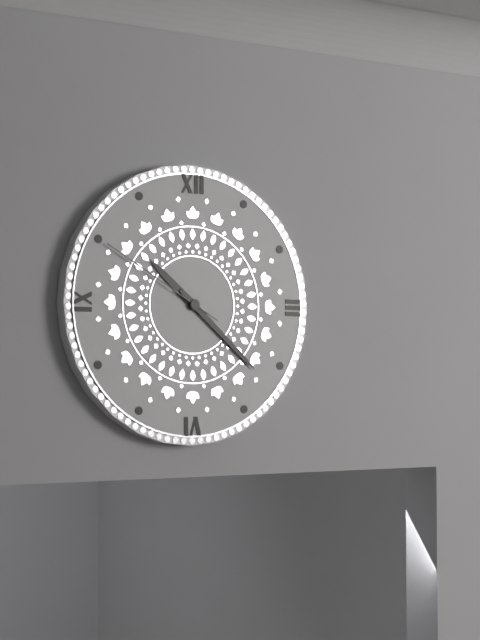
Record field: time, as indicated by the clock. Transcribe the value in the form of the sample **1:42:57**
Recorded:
**10:22:50**
